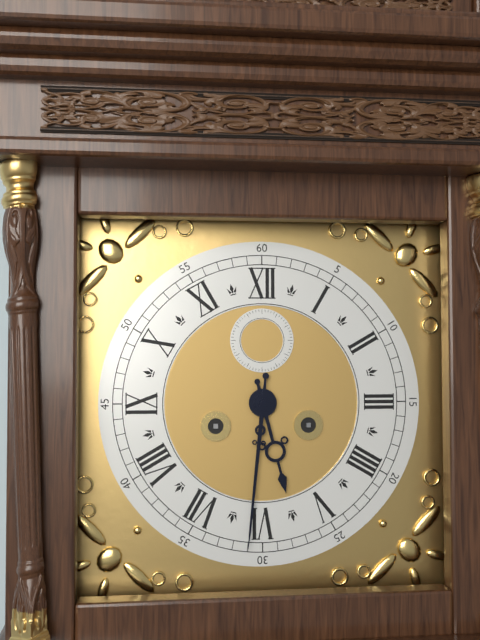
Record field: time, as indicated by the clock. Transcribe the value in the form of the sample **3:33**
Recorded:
**5:31**
